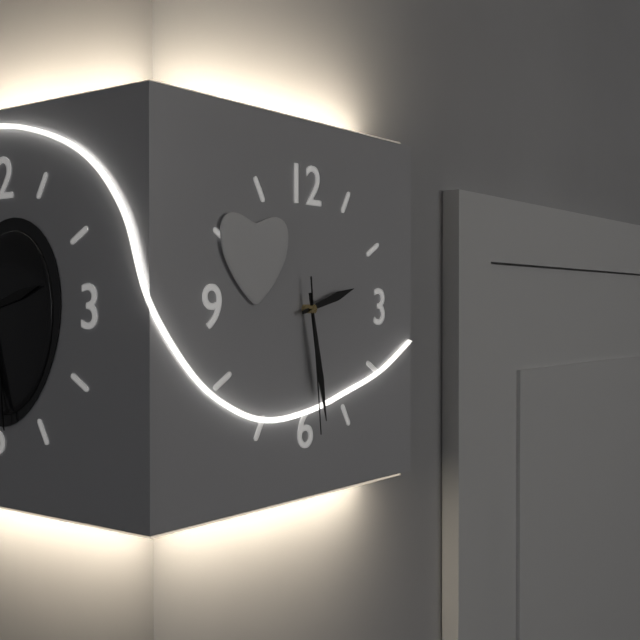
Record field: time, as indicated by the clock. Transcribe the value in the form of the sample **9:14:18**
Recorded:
**2:28:29**
